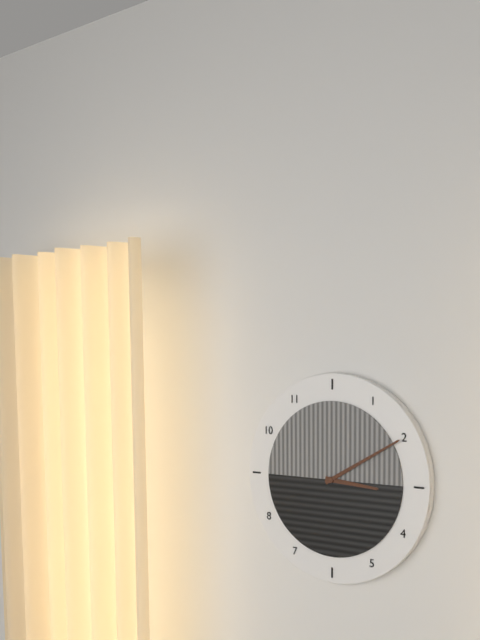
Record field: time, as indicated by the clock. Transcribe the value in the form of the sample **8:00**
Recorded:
**3:10**
